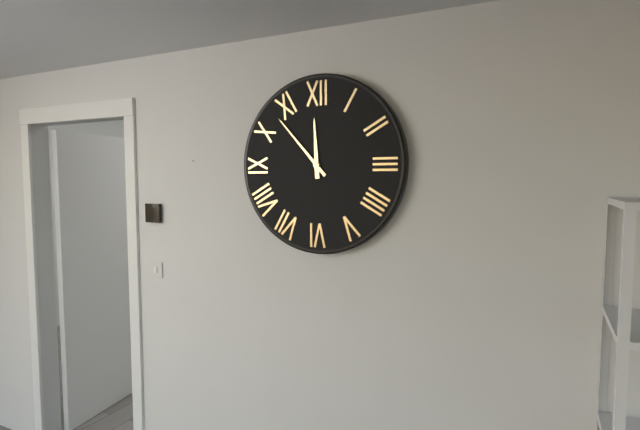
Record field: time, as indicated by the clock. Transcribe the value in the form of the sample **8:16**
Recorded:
**11:53**
